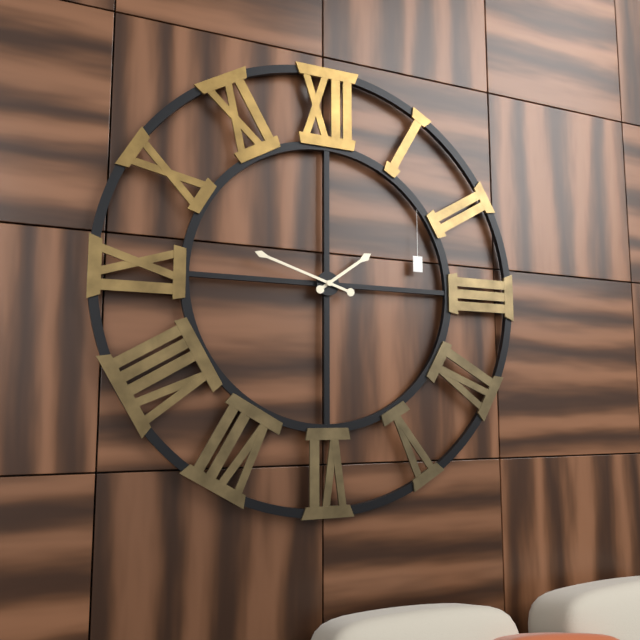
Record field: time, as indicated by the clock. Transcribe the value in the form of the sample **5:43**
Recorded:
**1:48**
